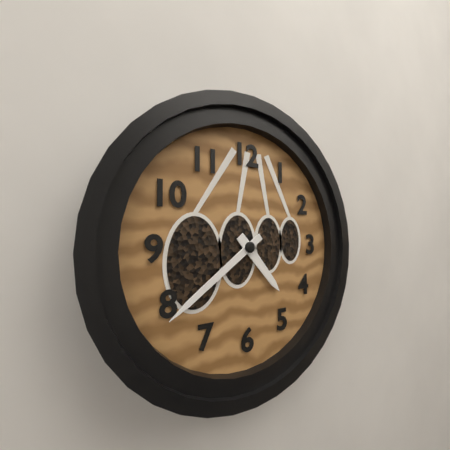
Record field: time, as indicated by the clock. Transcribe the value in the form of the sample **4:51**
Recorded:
**4:39**
